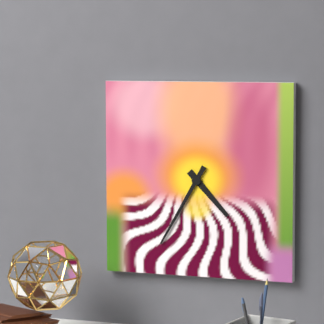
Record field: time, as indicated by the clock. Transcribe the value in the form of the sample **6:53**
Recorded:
**4:35**
